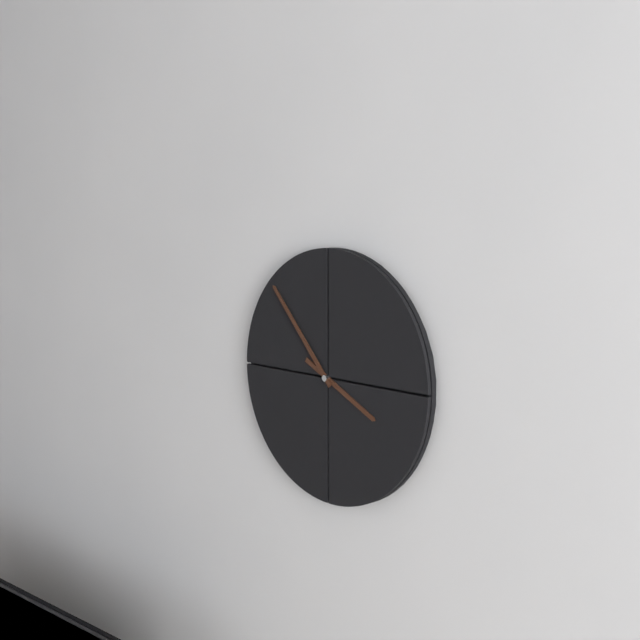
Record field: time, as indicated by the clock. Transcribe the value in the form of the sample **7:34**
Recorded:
**3:53**
